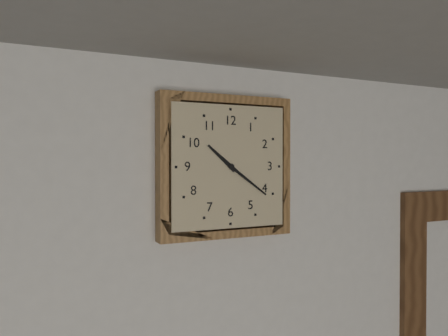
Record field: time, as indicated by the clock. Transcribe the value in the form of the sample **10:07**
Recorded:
**10:21**
